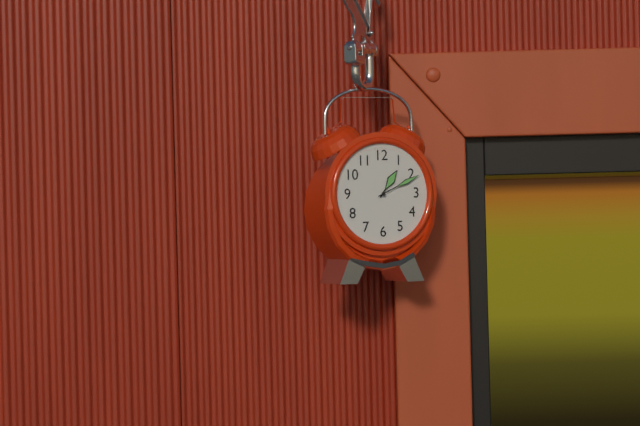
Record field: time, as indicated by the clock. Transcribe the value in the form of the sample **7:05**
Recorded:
**1:11**
